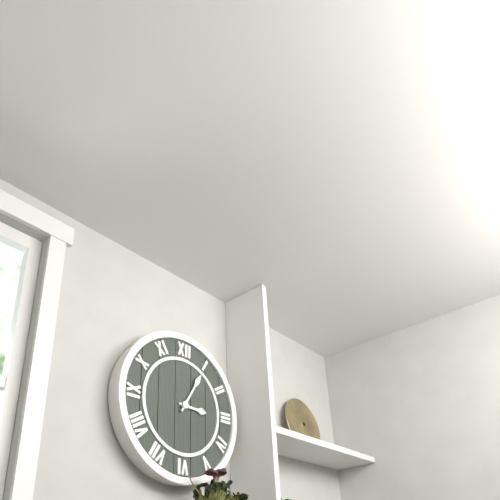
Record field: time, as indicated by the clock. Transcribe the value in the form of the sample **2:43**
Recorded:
**3:05**
